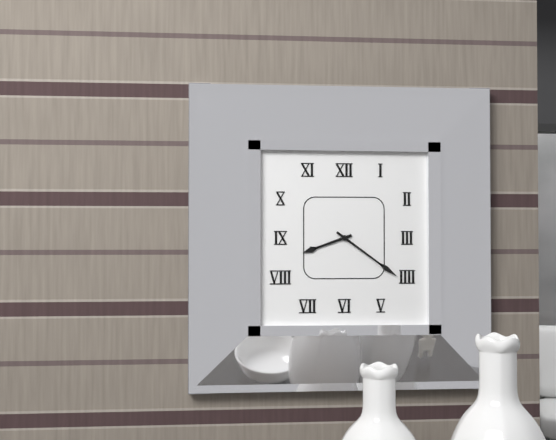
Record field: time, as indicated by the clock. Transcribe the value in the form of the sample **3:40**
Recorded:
**8:21**
